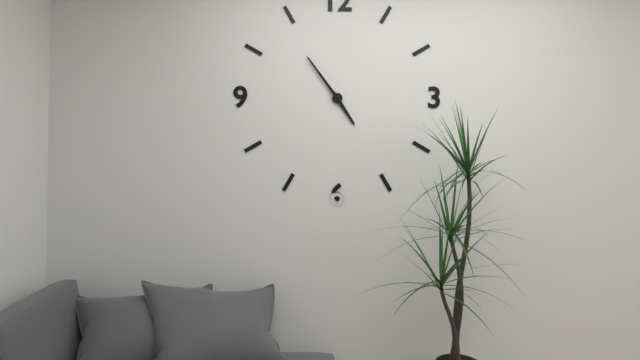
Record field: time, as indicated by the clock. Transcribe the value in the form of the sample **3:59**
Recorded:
**4:54**
